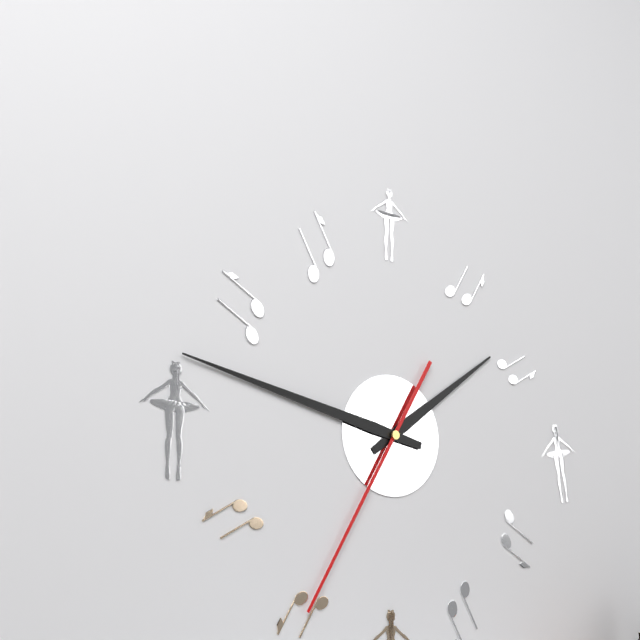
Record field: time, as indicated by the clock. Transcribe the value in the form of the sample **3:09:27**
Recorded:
**1:47:35**
